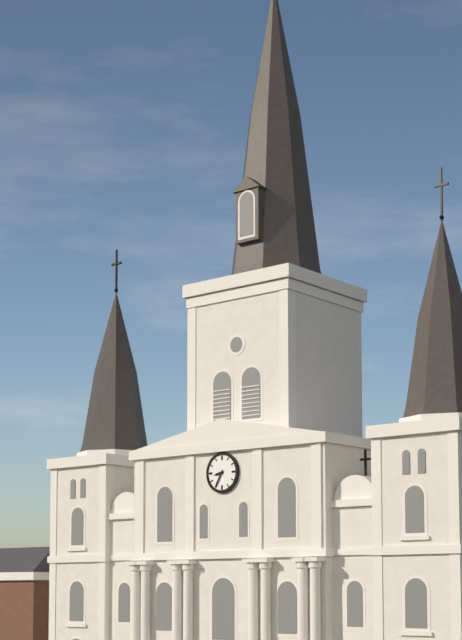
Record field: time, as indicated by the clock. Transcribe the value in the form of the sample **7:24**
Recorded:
**8:35**
